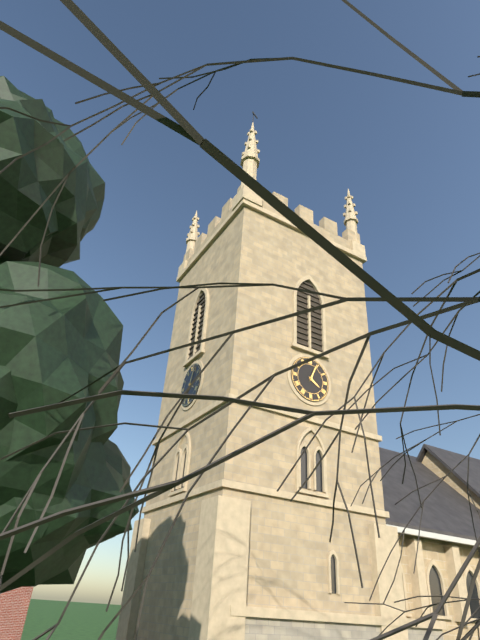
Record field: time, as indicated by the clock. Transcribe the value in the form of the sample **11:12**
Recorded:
**4:04**
